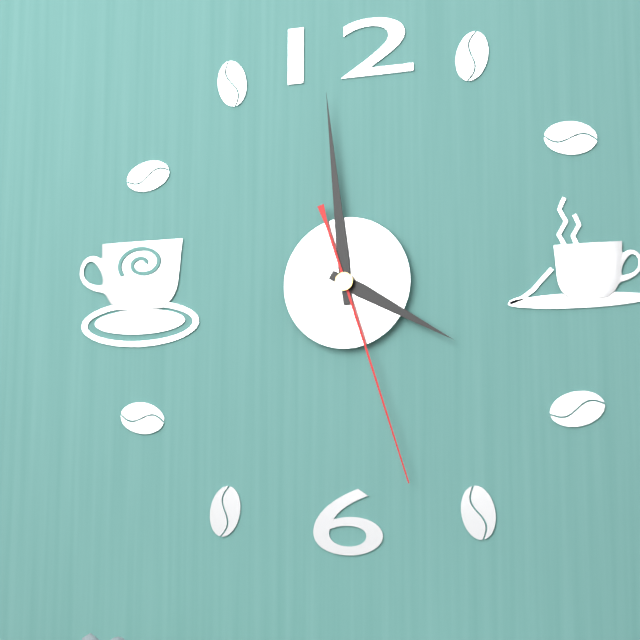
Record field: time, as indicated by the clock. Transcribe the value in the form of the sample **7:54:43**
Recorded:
**3:59:27**
